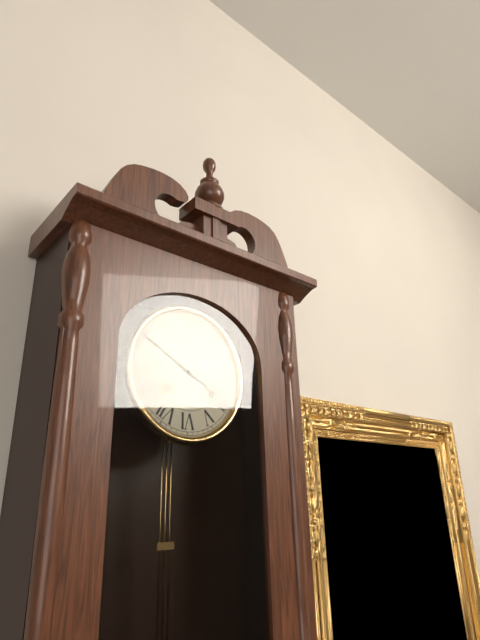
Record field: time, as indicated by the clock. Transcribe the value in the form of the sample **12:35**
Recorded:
**3:50**
